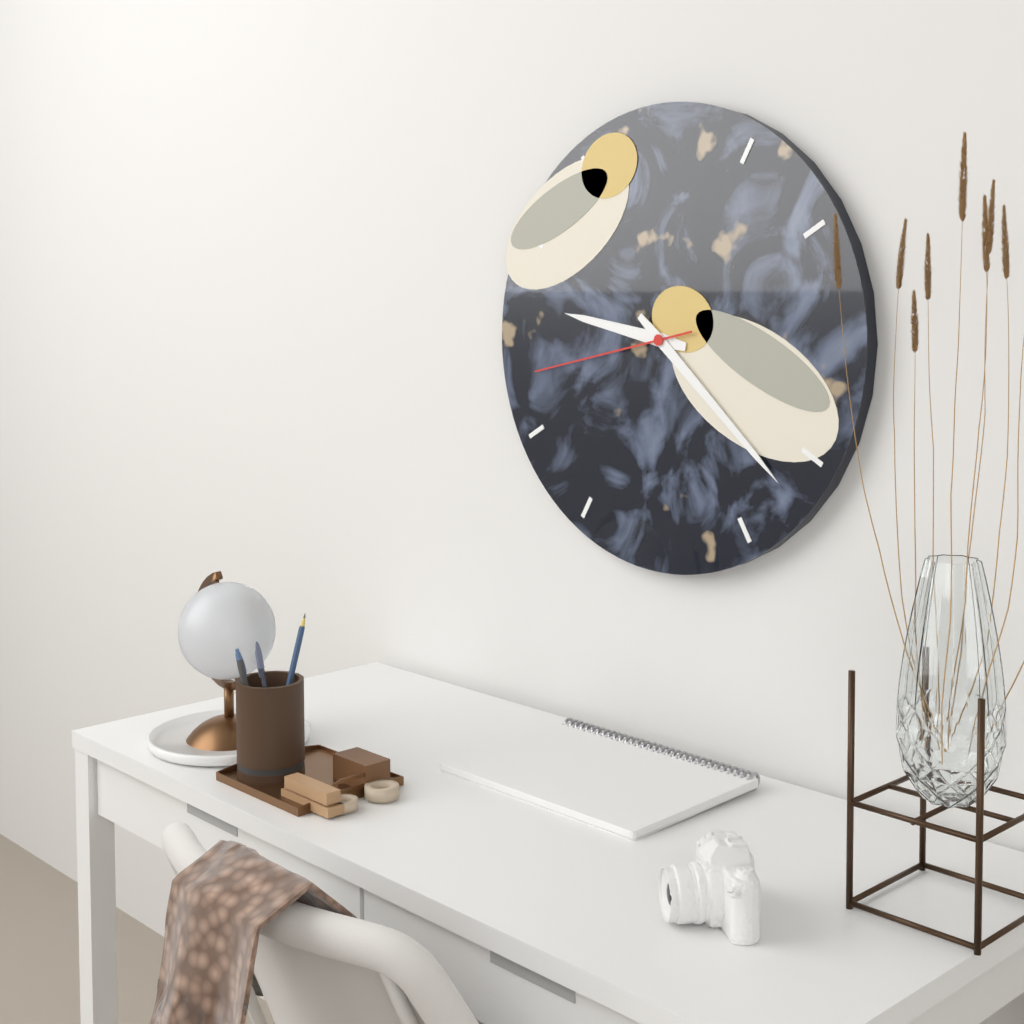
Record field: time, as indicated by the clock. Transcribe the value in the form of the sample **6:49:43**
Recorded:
**9:22:43**
